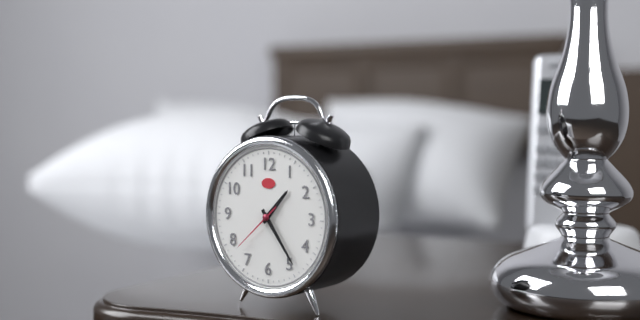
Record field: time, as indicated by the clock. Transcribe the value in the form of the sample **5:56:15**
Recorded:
**1:24:38**
